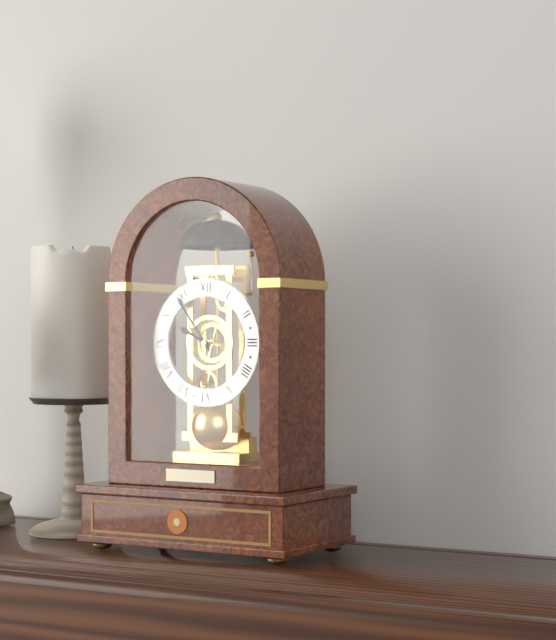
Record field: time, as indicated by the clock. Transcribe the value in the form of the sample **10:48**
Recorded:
**9:54**
